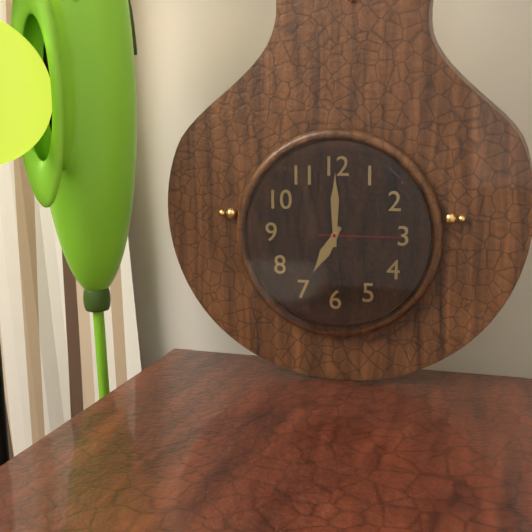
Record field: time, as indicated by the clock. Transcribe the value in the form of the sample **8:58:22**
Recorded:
**7:00:15**
